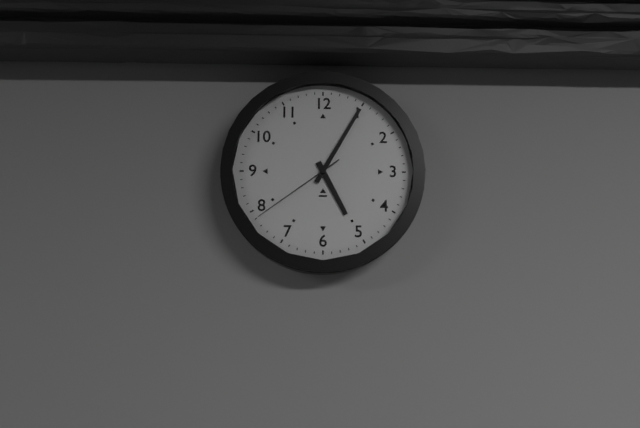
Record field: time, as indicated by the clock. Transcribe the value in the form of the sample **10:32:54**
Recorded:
**5:05:39**
